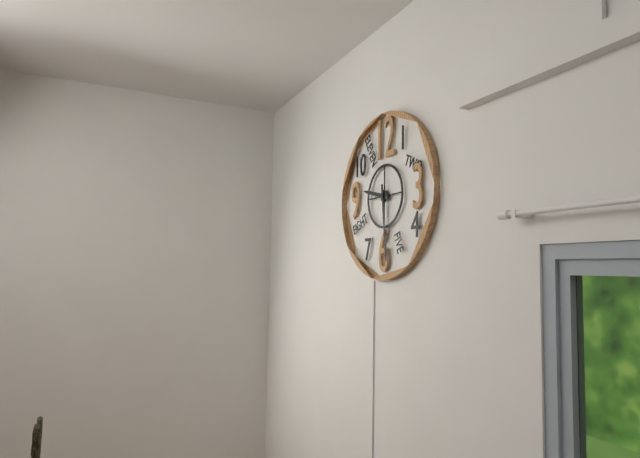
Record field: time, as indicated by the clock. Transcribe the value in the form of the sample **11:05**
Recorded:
**9:29**
